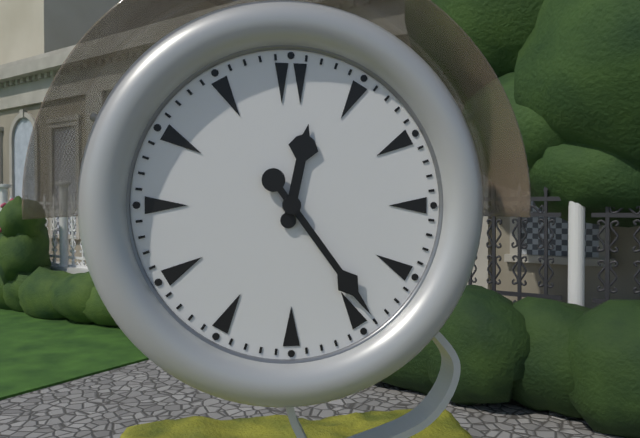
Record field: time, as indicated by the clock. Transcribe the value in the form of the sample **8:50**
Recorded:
**12:24**
